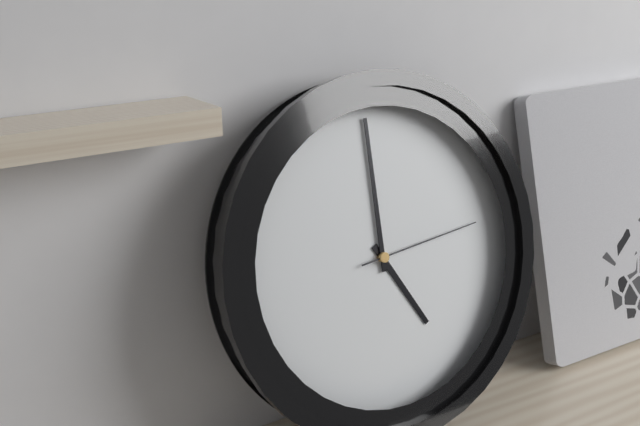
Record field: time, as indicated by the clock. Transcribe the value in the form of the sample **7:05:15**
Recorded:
**5:00:14**
